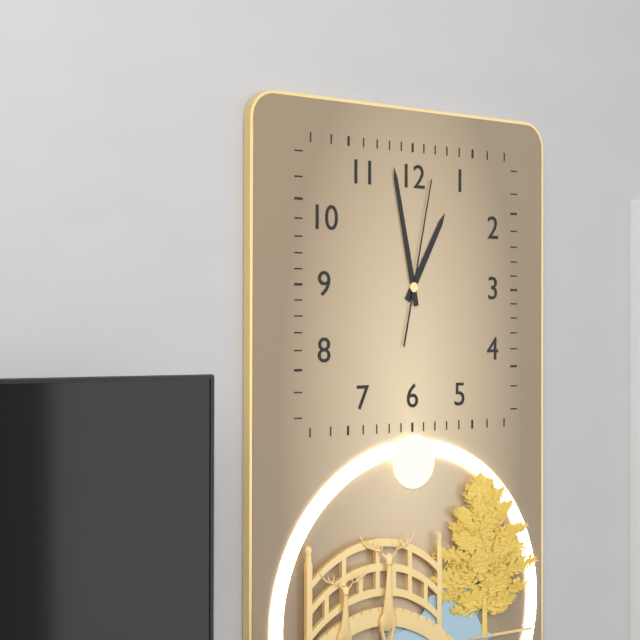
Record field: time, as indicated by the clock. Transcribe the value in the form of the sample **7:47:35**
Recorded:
**12:58:02**
